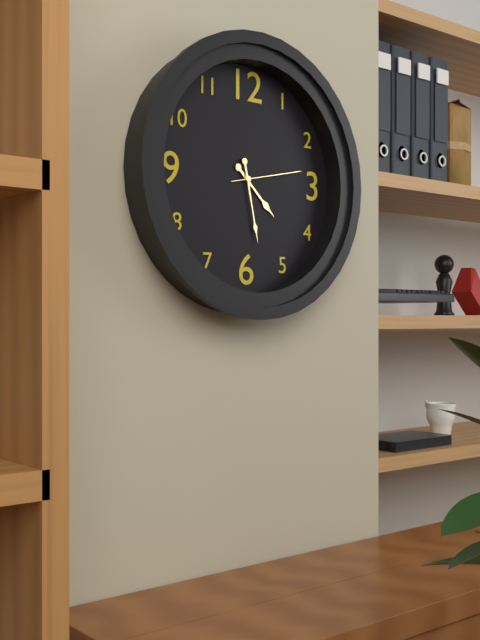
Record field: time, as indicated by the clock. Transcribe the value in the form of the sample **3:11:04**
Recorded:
**4:28:13**
